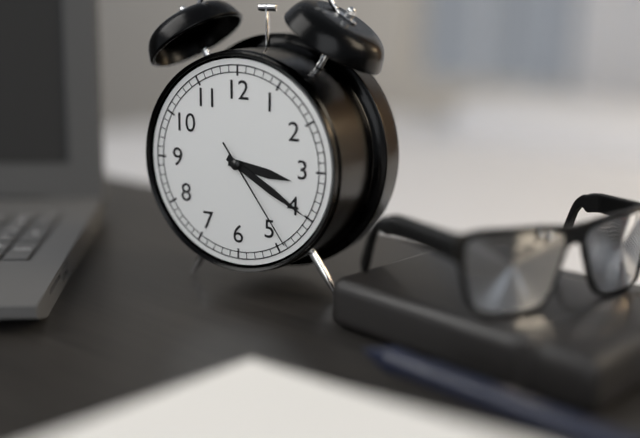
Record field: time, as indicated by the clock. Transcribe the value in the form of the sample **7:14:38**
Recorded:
**3:20:24**
